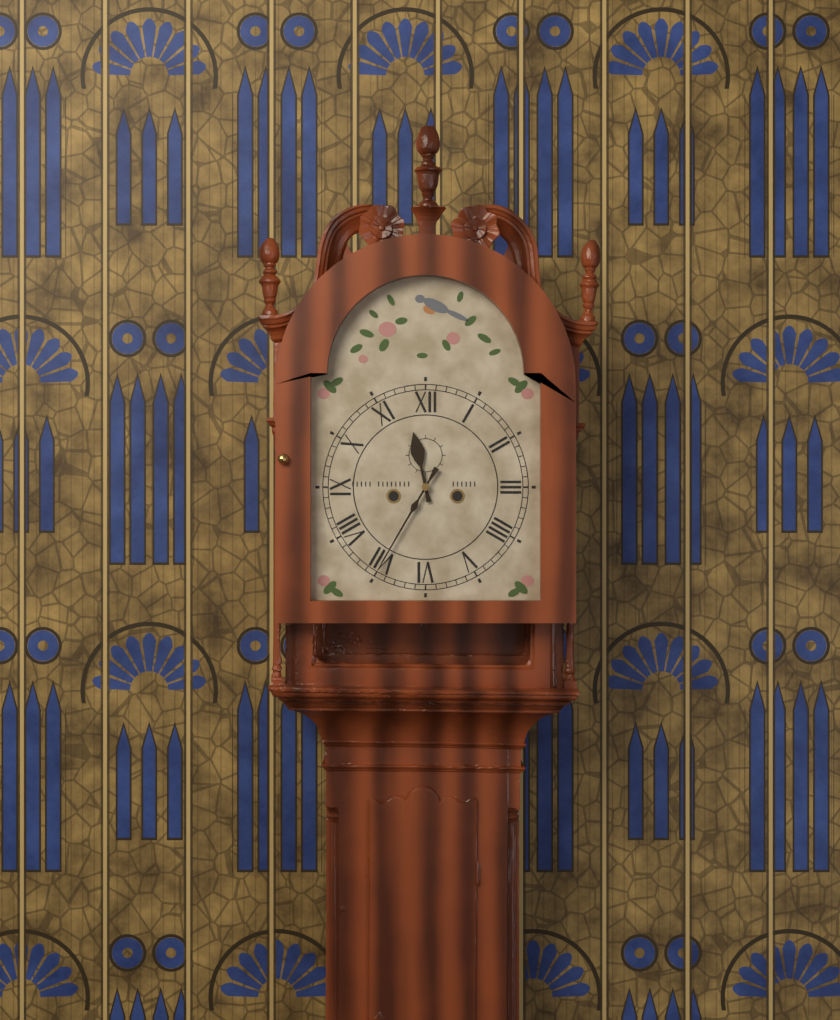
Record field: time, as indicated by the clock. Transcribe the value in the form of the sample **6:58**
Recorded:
**11:35**
